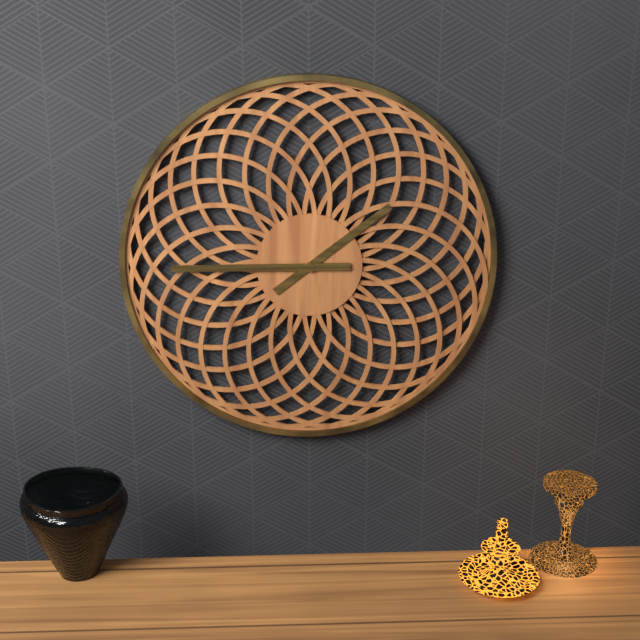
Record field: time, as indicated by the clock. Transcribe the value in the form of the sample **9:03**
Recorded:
**1:45**
